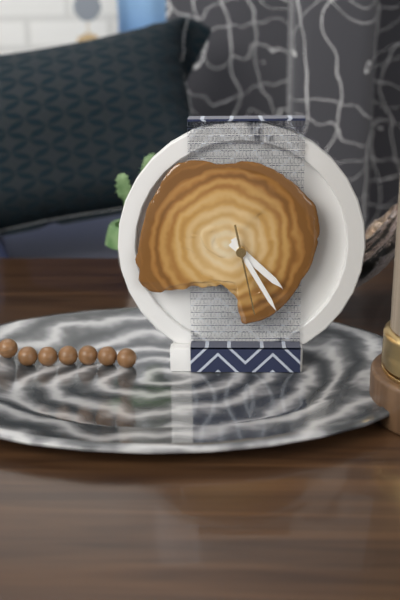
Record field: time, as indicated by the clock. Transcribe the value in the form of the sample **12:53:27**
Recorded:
**4:25:28**
